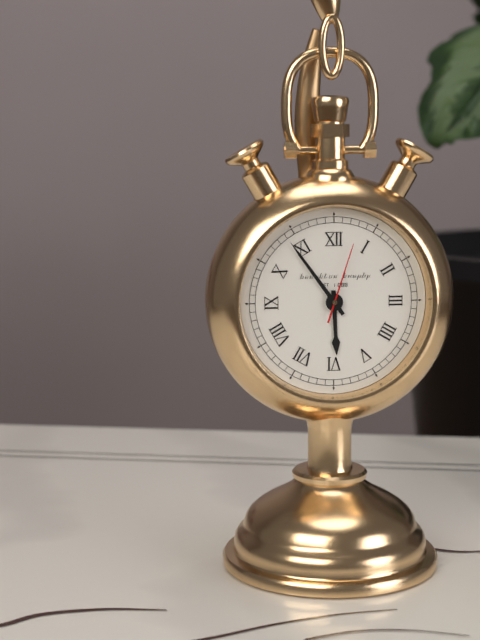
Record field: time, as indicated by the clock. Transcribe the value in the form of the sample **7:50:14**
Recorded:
**5:54:03**
